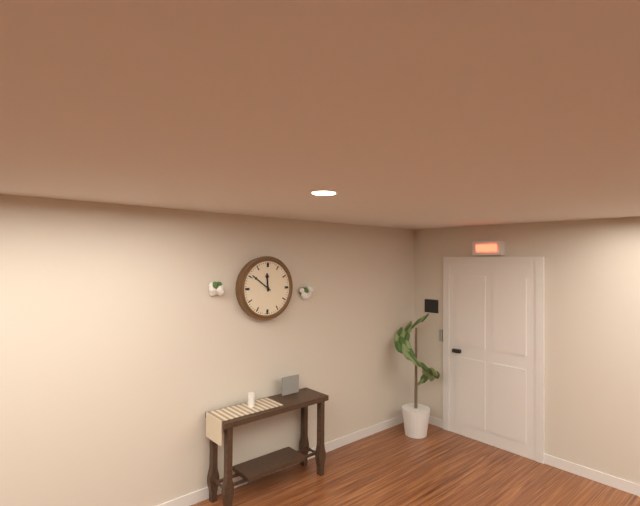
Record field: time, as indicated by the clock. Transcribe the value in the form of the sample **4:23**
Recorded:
**11:51**
